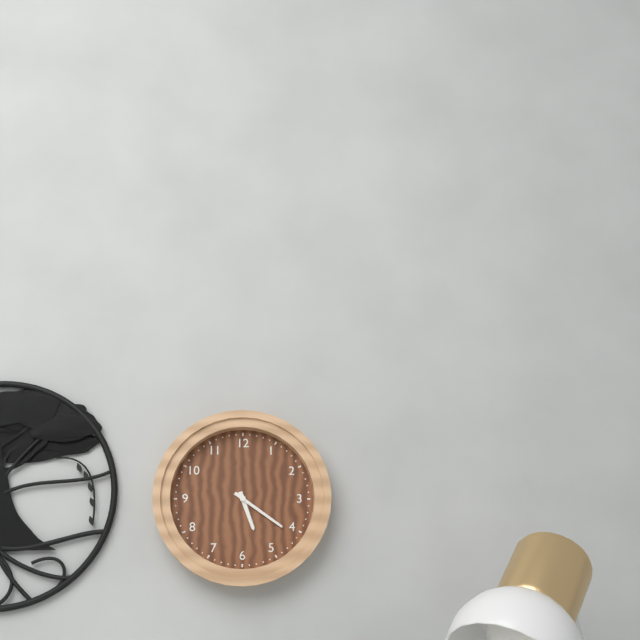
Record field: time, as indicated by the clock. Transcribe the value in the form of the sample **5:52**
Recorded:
**5:21**
